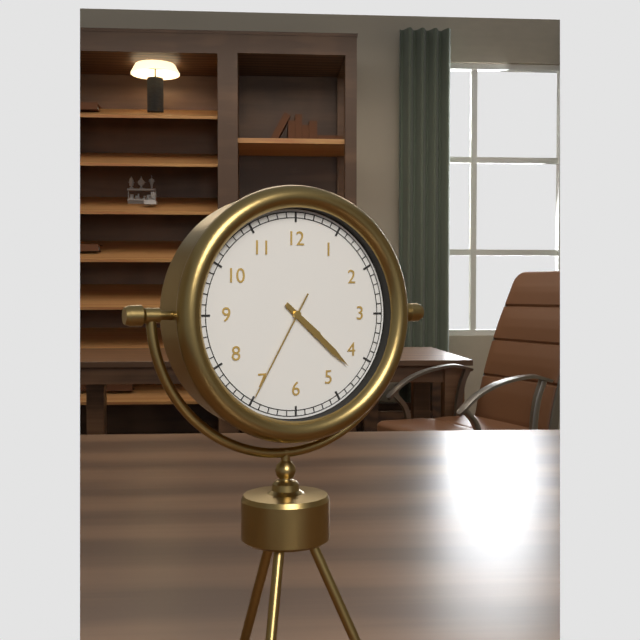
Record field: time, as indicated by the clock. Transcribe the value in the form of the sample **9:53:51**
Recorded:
**4:22:35**
